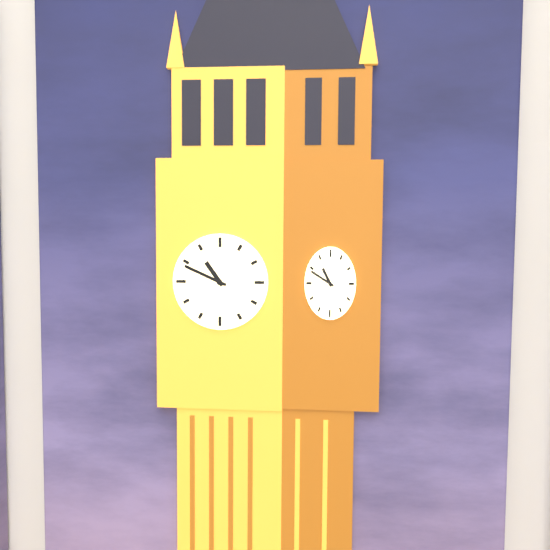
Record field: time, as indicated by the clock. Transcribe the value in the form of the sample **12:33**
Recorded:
**10:49**
